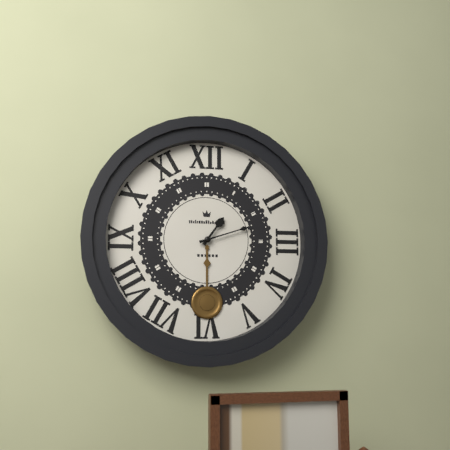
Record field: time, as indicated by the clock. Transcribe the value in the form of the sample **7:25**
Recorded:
**1:12**
